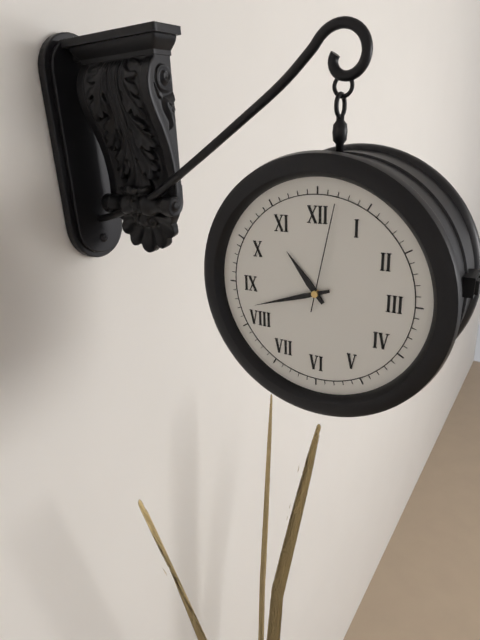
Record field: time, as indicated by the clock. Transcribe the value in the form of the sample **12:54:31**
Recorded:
**10:42:02**
